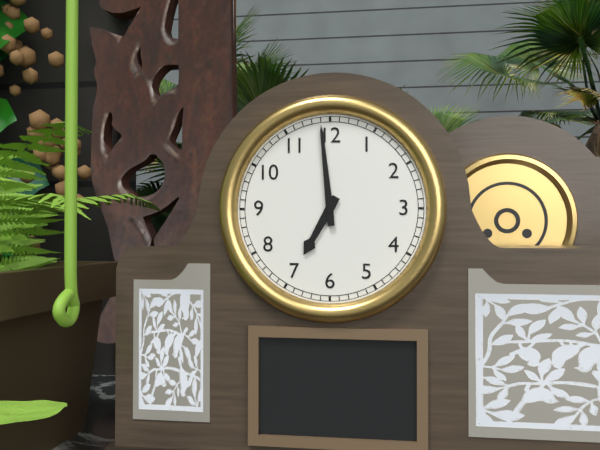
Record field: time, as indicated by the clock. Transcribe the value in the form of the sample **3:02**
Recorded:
**6:59**
